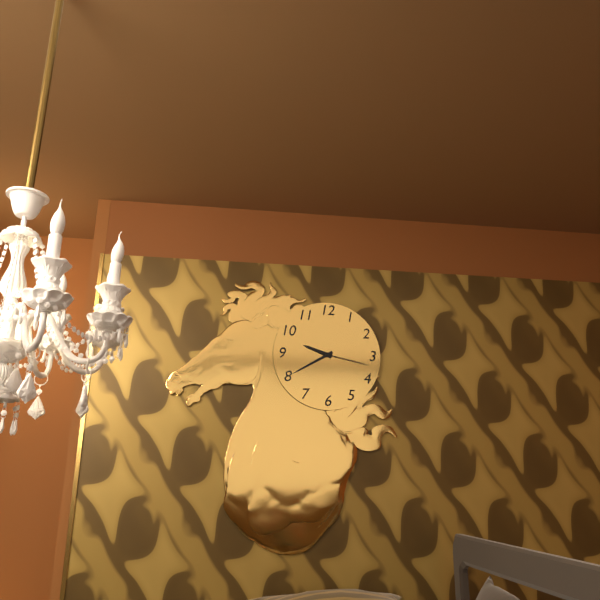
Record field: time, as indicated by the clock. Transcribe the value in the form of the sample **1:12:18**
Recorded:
**9:40:17**
